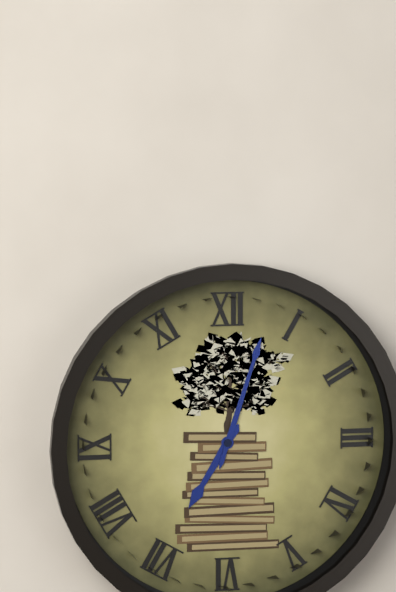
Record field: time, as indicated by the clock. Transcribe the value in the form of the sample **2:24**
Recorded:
**7:03**
